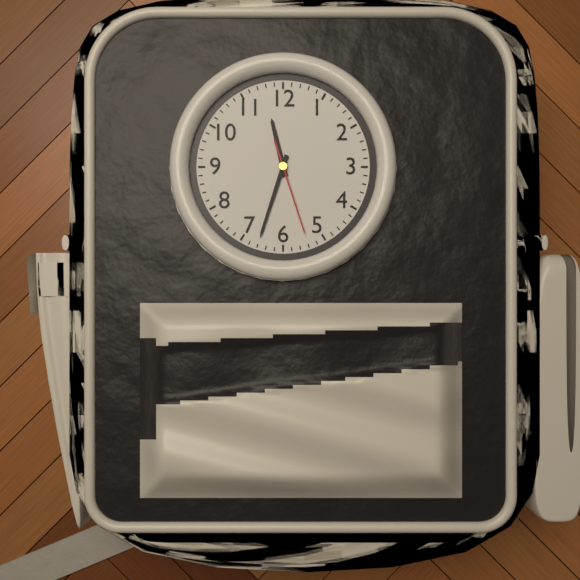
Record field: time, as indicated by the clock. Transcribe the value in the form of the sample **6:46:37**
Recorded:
**11:33:27**
